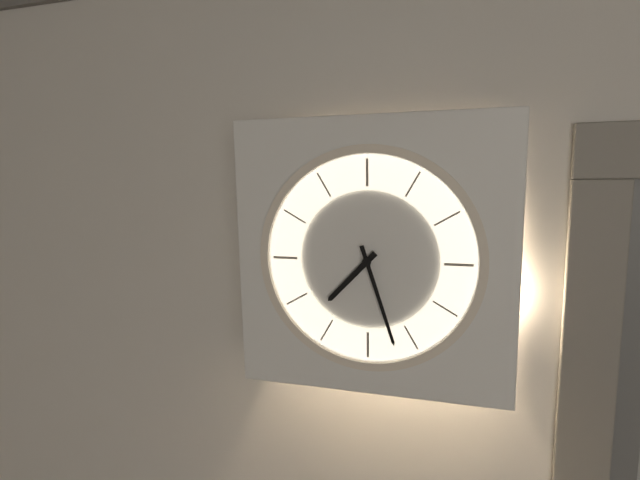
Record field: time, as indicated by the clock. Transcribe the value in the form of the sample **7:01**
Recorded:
**7:27**
